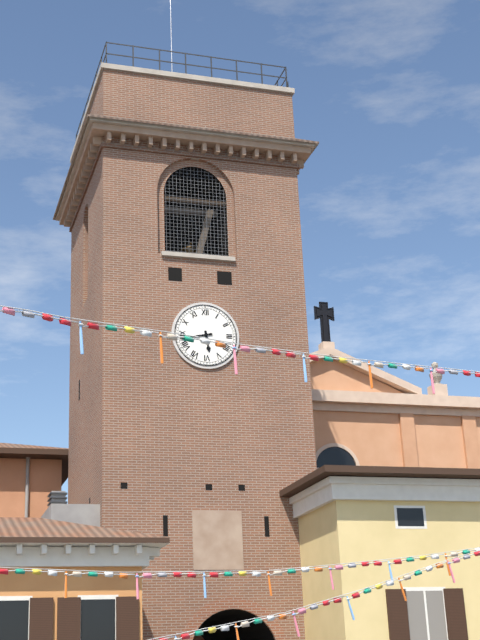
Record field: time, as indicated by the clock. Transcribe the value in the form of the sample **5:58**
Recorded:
**5:43**
